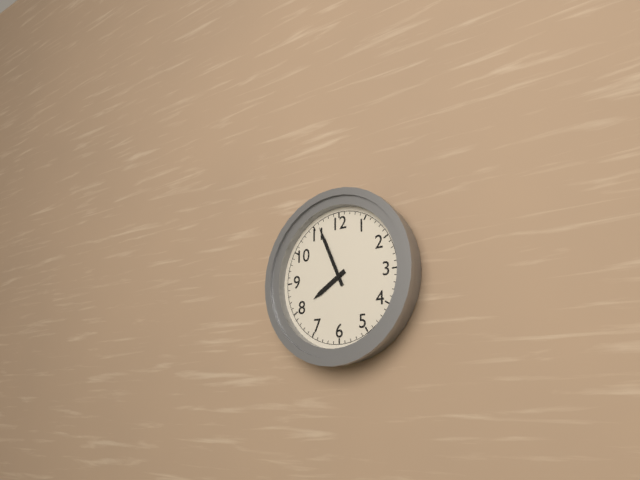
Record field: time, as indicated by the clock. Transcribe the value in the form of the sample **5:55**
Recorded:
**7:56**
